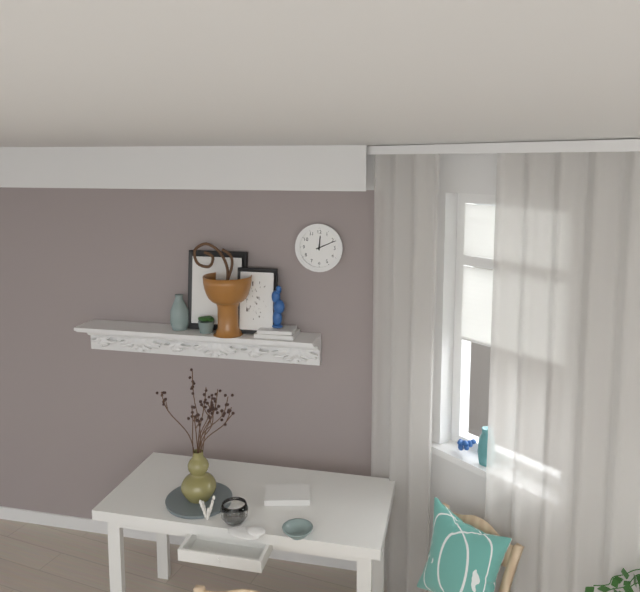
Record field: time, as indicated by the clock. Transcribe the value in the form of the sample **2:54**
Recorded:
**12:11**
